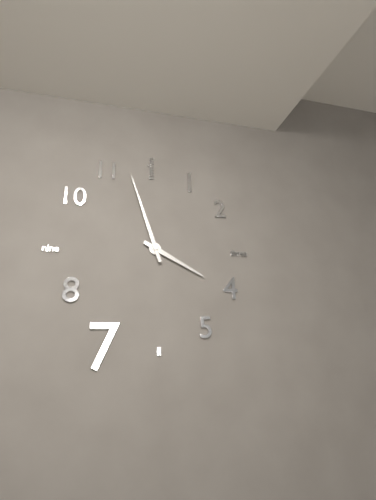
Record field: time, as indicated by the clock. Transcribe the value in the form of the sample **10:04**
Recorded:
**3:57**
